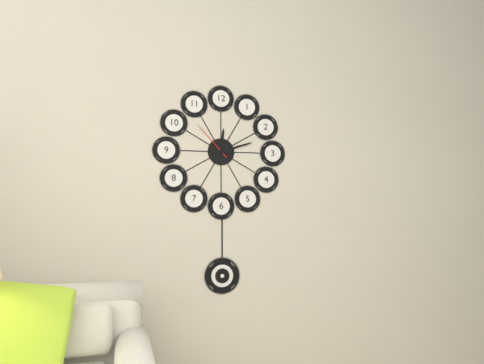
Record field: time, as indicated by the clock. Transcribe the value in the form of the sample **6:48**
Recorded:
**12:12**
